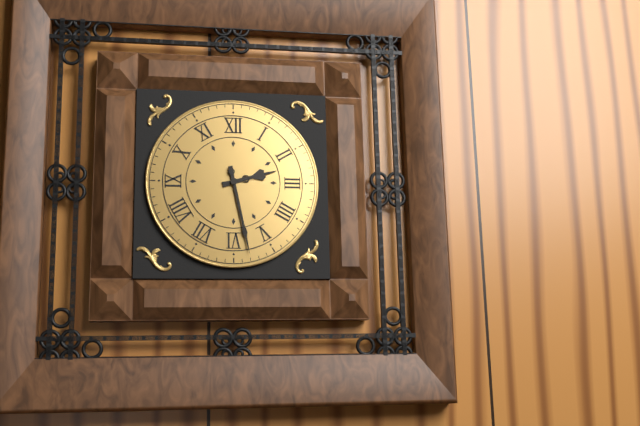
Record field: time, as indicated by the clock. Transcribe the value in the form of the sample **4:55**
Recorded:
**2:28**
